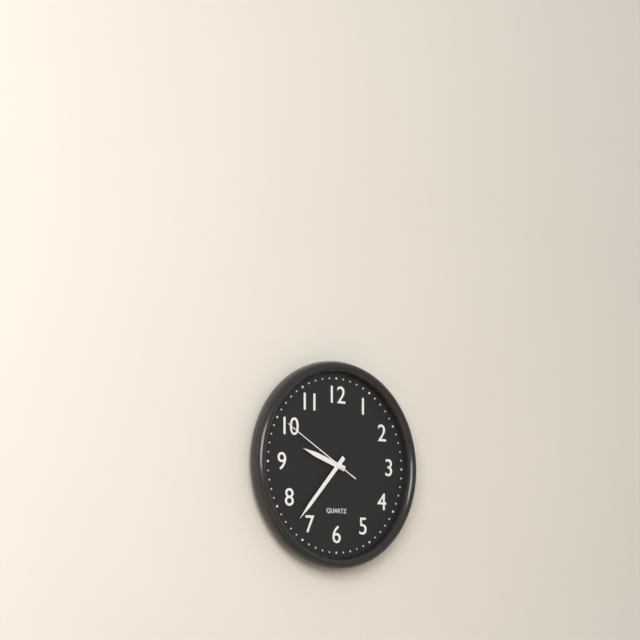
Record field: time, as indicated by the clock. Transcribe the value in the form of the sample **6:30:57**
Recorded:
**9:37:50**
